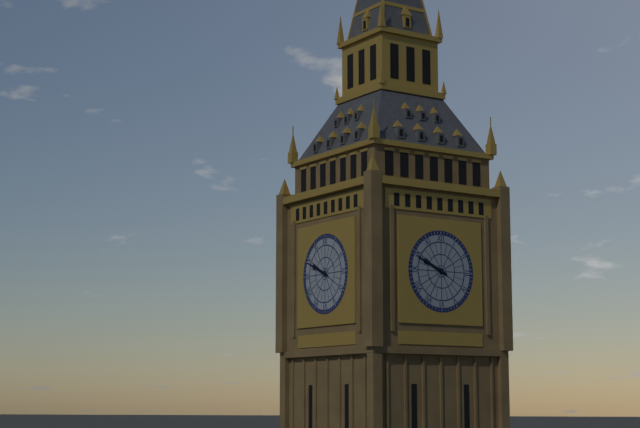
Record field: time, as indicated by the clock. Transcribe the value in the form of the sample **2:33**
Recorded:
**9:49**
